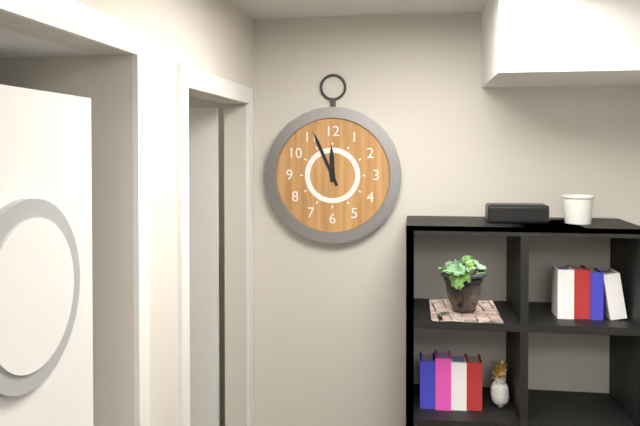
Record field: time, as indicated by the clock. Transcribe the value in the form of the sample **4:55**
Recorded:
**11:56**
